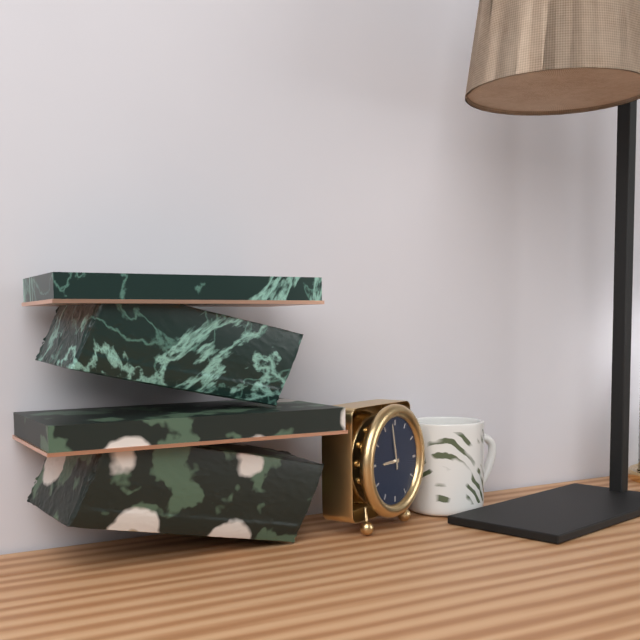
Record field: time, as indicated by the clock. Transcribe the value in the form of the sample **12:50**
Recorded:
**8:58**
